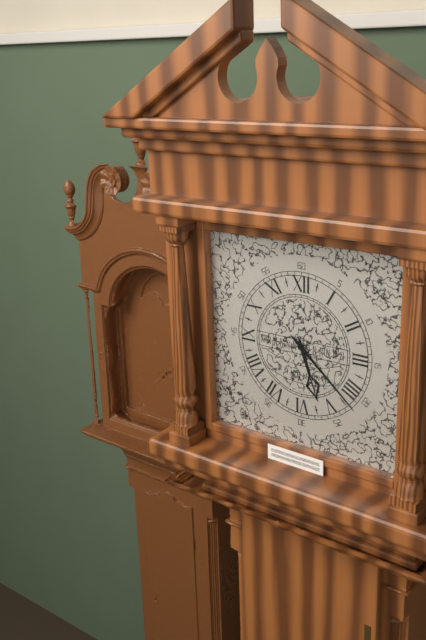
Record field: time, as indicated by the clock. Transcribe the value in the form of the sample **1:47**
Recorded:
**5:22**
